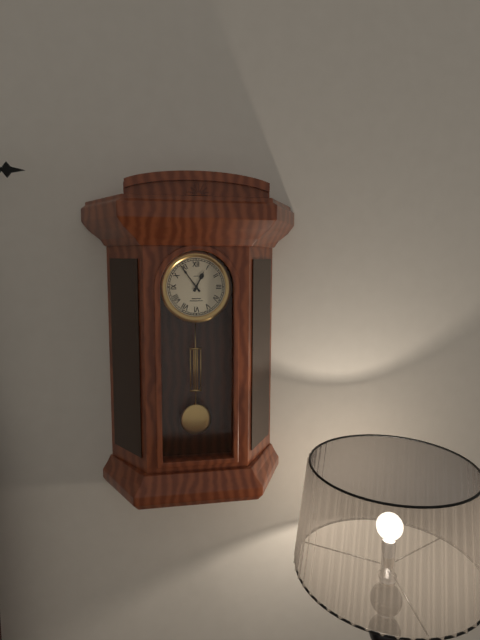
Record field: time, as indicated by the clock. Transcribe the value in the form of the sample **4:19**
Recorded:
**12:54**
